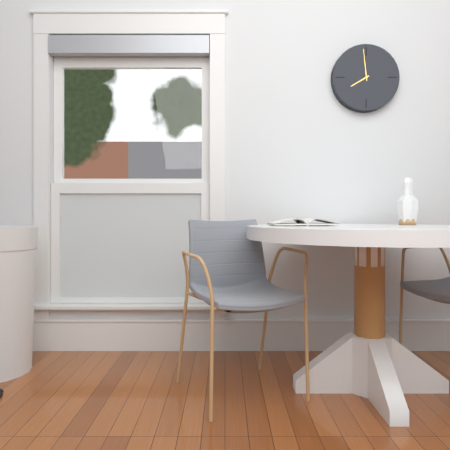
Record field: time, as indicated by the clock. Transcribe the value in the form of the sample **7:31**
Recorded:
**7:59**
